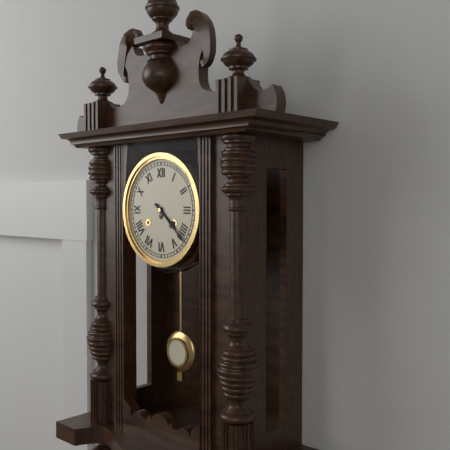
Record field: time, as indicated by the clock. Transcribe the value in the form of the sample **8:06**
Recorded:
**4:22**
